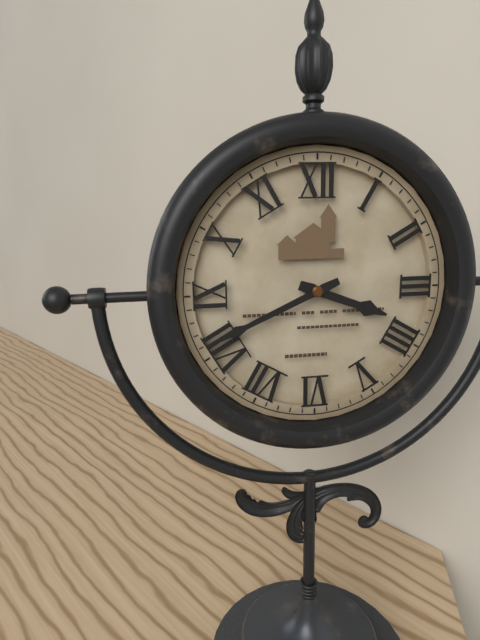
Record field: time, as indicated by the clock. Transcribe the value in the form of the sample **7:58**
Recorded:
**3:41**
